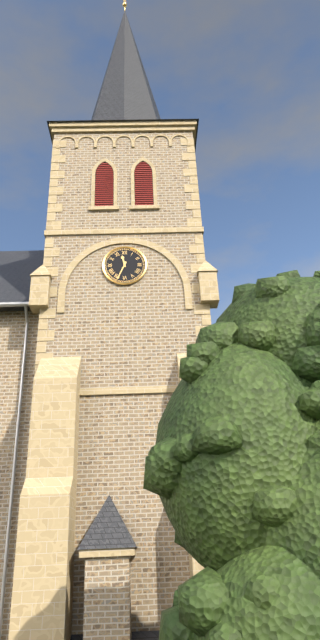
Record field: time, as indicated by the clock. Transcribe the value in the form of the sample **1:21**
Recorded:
**11:34**
